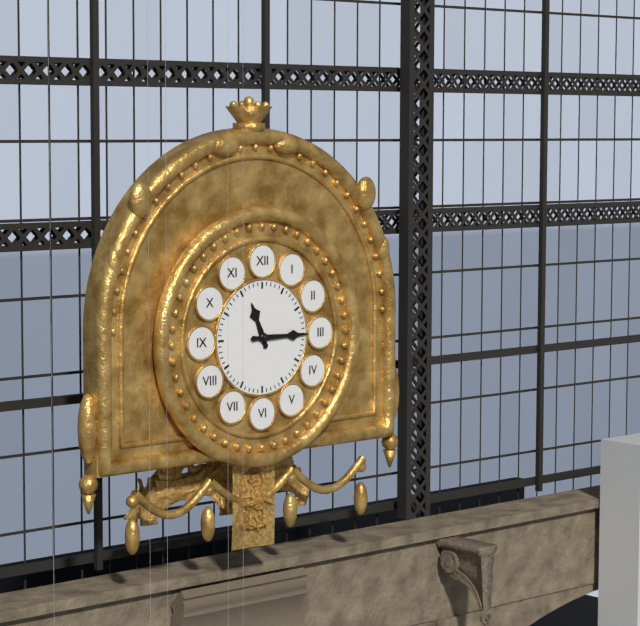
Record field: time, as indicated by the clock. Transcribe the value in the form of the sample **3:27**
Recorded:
**11:15**
